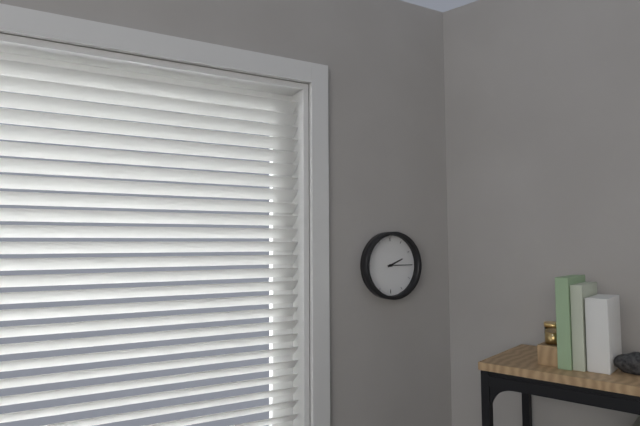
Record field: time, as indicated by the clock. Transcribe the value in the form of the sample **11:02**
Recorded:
**2:15**
